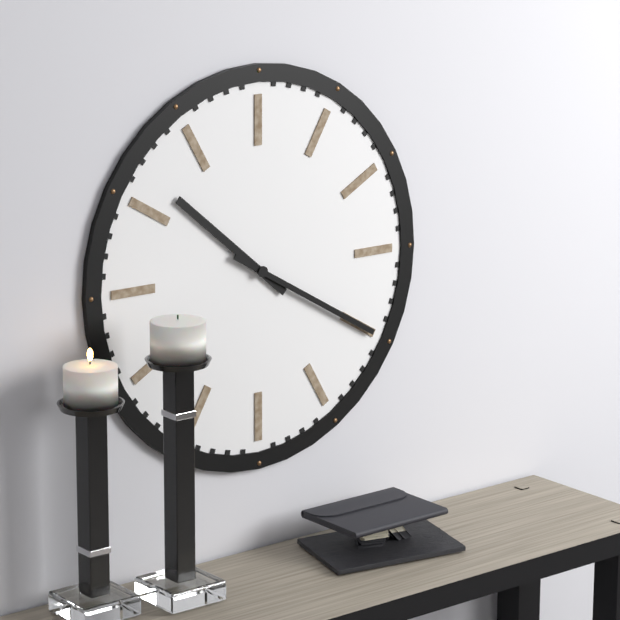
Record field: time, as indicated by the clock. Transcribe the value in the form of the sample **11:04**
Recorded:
**10:20**
